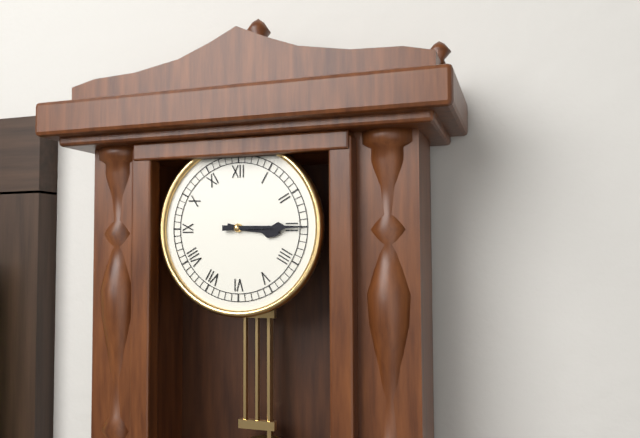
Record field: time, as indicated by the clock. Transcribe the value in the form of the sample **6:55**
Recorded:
**3:15**
